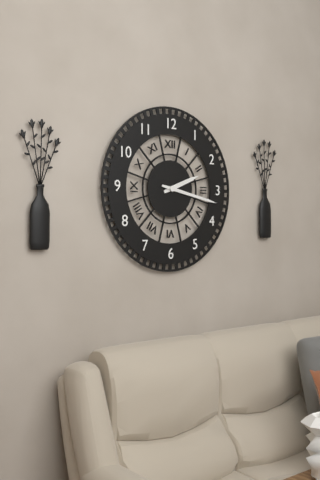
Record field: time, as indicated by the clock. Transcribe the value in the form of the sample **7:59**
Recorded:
**2:17**
